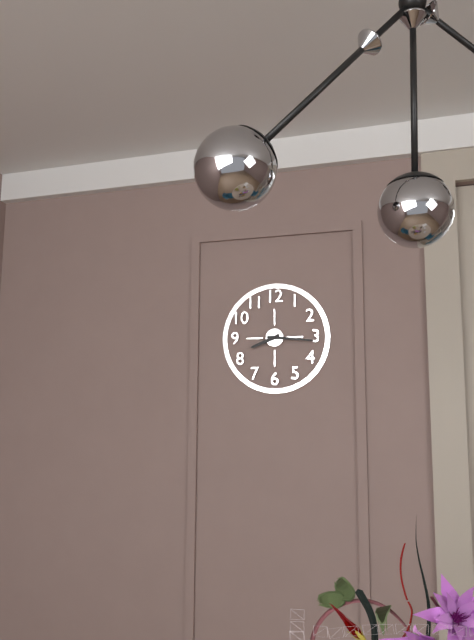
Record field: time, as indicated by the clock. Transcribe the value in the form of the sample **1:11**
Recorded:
**8:16**
